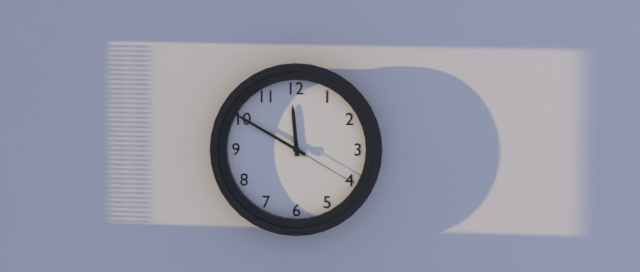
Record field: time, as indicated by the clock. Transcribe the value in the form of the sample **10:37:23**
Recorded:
**11:50:20**
